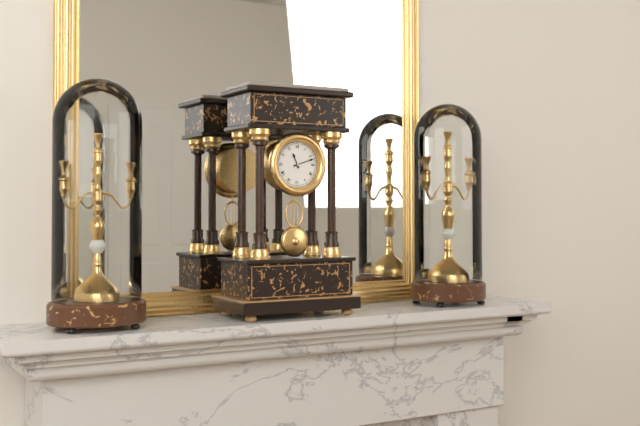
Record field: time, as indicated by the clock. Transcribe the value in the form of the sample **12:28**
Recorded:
**11:12**
